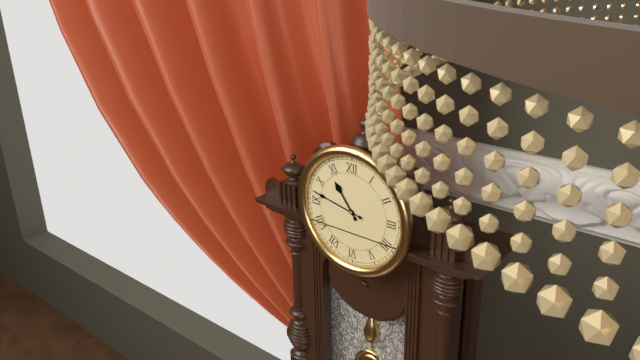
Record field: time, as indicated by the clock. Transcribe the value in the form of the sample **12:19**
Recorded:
**10:47**
